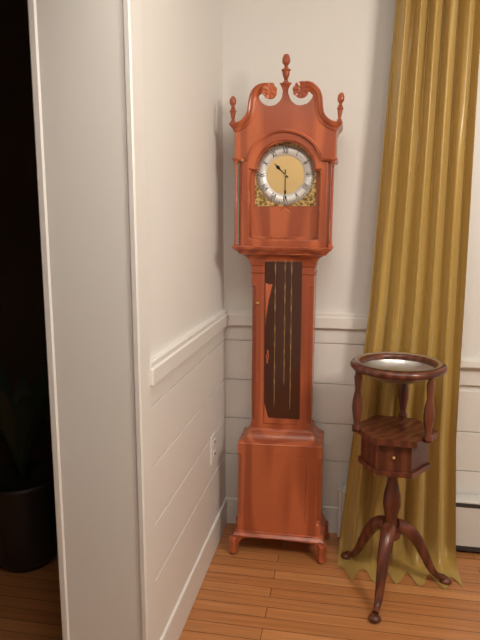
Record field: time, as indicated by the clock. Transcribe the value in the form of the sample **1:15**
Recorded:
**10:30**
